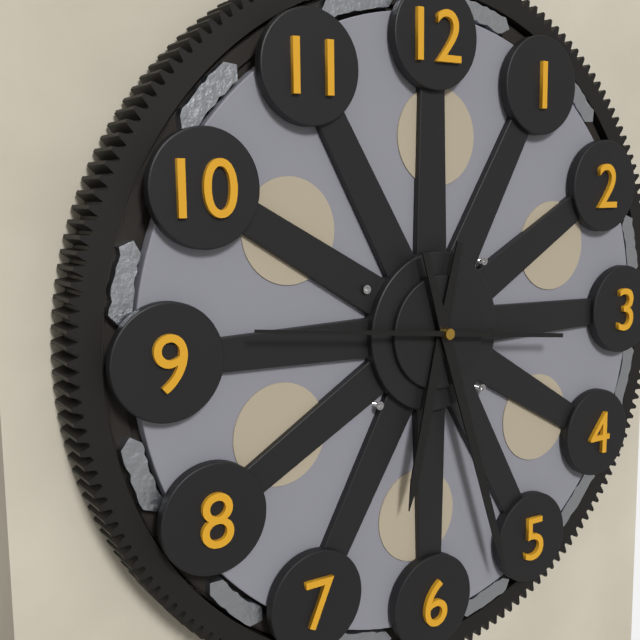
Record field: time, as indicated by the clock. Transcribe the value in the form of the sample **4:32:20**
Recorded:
**6:27:46**
